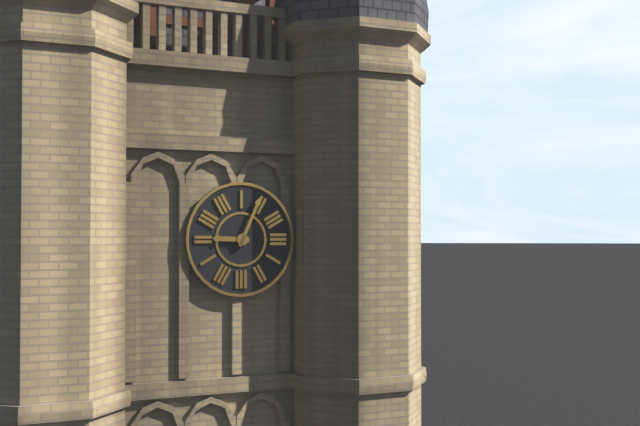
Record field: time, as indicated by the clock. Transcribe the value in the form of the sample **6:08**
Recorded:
**9:04**
